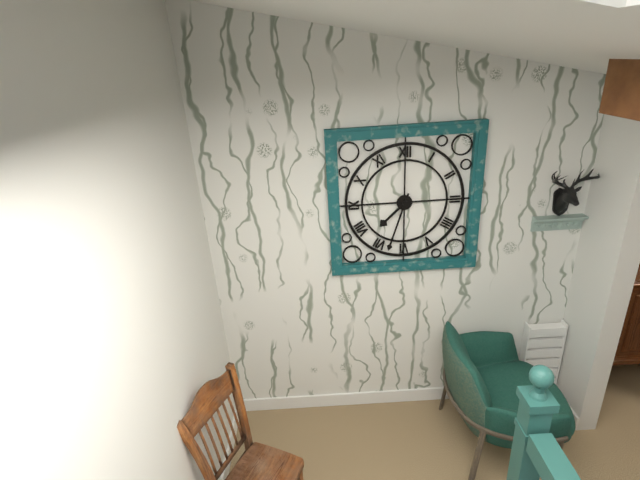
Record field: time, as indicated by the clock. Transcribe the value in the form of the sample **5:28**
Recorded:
**7:33**
